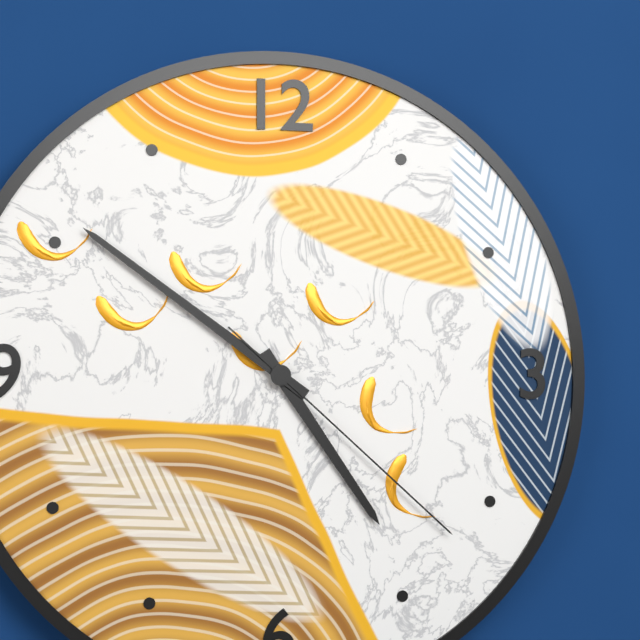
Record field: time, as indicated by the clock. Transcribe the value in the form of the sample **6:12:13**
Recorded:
**4:51:22**
